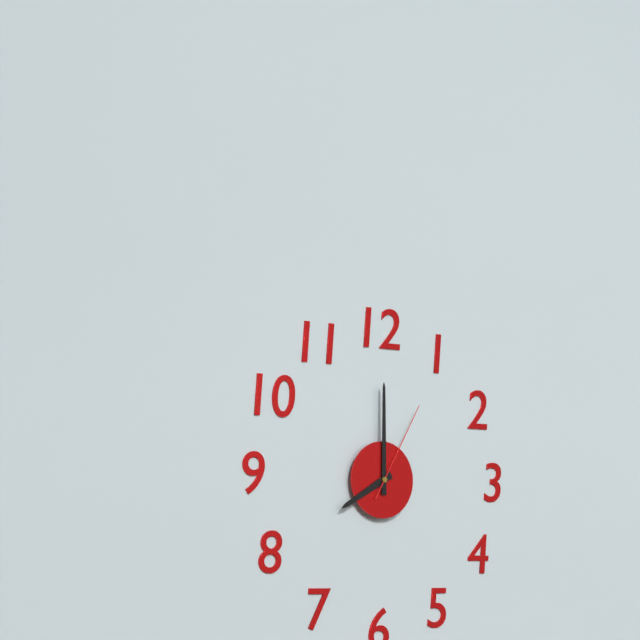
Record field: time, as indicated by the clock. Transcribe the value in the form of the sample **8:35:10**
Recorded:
**8:00:05**
